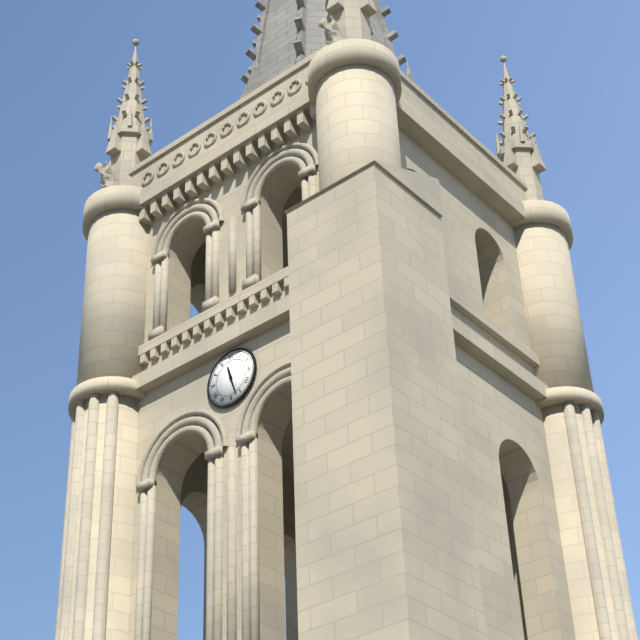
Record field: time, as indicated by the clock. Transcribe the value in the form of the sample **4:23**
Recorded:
**11:27**
